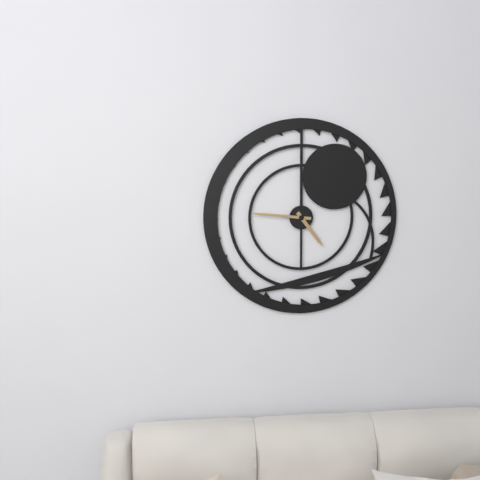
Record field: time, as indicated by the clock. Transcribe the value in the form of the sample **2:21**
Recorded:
**4:46**
